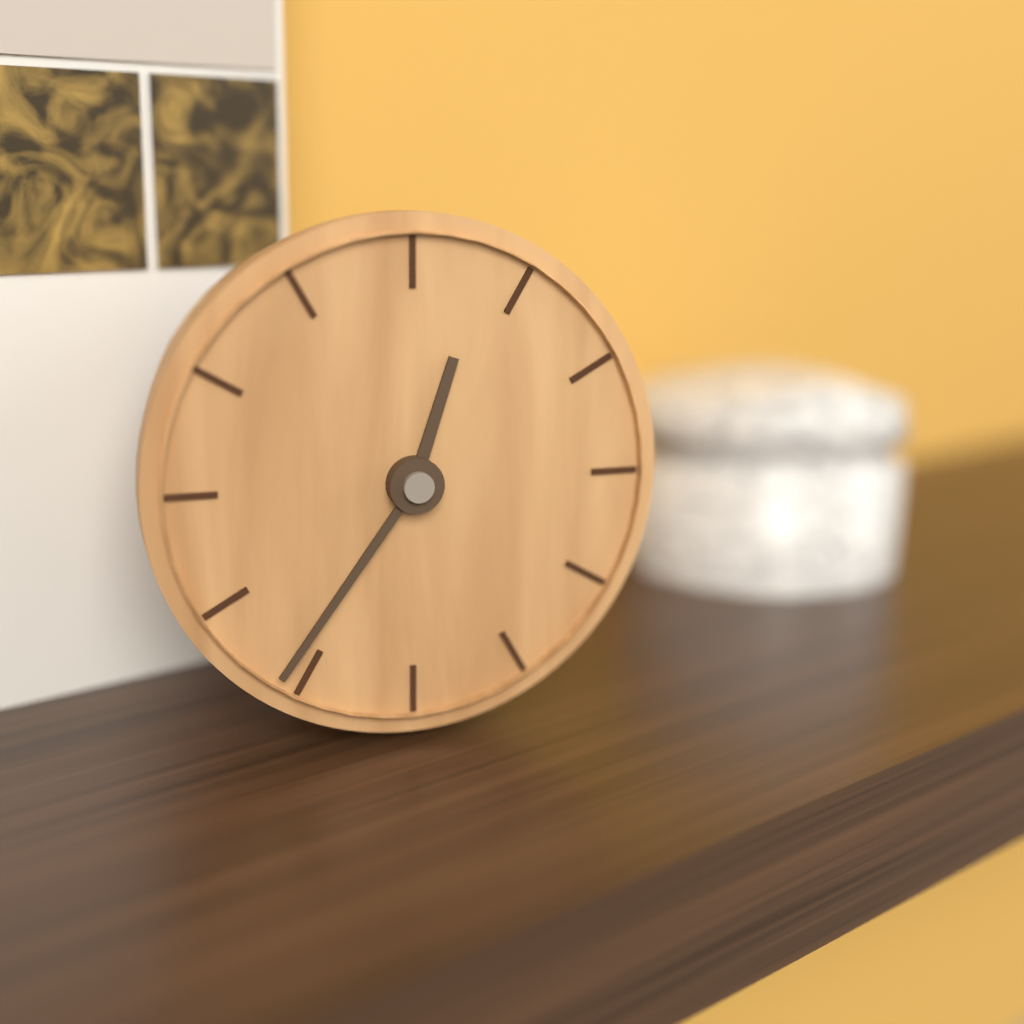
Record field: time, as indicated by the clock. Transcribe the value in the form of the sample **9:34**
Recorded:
**12:36**
